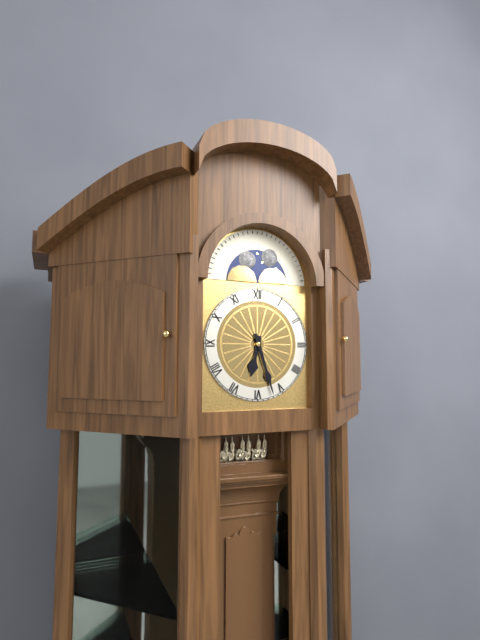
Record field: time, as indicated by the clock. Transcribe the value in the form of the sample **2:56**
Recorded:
**6:27**
